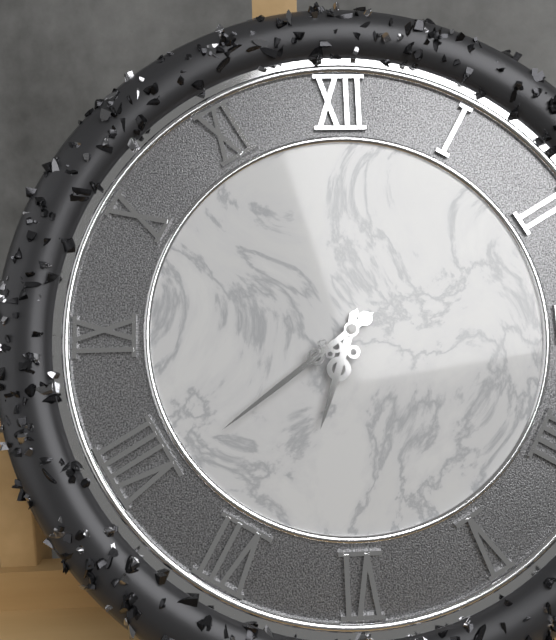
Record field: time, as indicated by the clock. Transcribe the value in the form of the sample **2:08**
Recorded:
**6:39**
